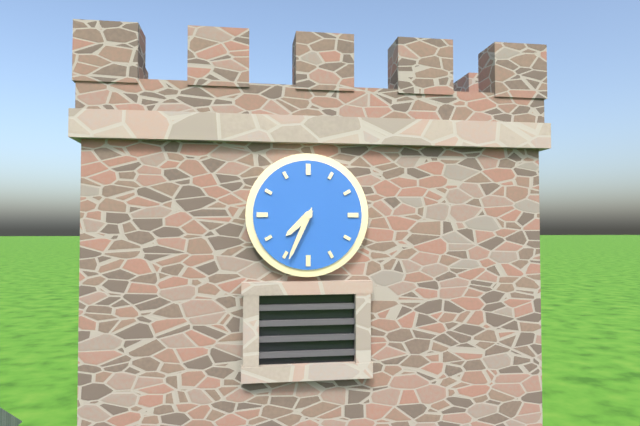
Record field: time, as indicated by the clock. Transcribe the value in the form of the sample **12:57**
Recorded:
**7:34**
